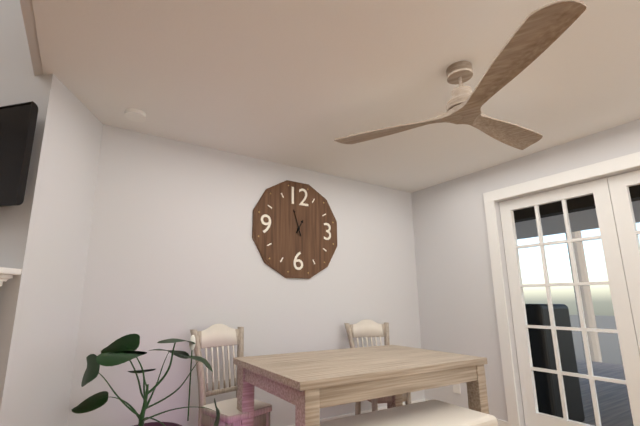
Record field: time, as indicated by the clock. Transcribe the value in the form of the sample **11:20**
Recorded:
**12:57**
